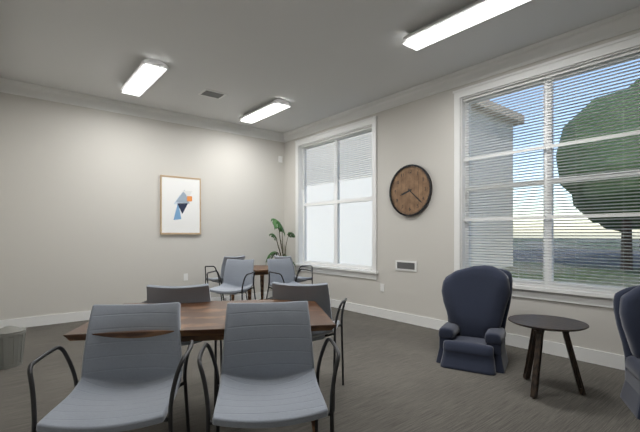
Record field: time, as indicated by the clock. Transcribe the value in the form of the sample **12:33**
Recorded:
**8:22**
